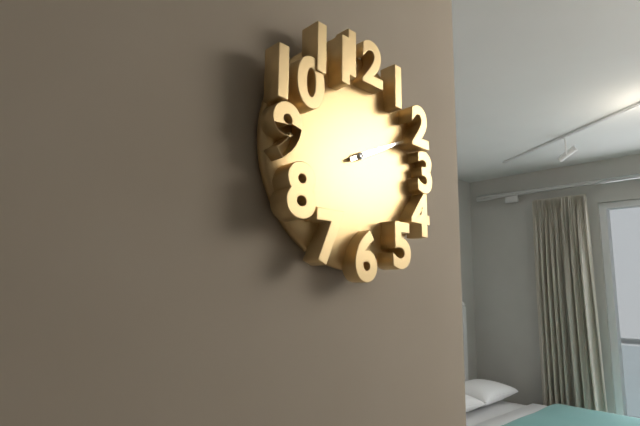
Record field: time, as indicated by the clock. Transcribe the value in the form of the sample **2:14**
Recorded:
**2:11**
